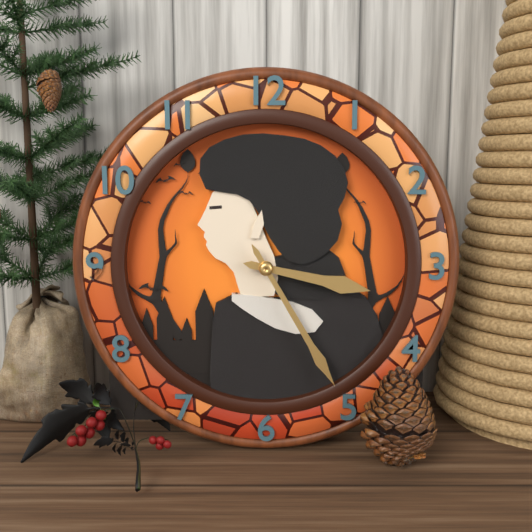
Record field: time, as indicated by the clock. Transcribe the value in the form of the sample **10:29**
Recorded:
**3:25**
